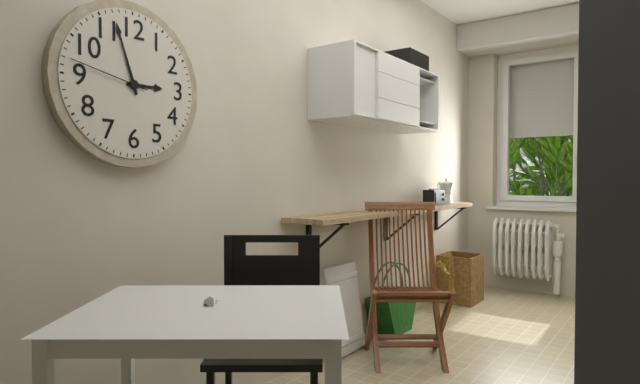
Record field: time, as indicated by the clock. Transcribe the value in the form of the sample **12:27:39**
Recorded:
**2:57:47**
